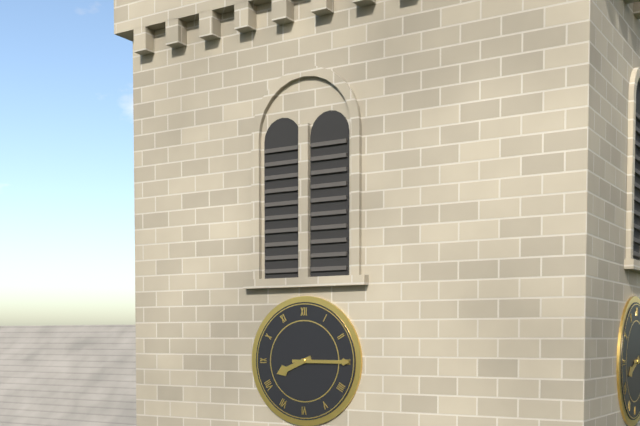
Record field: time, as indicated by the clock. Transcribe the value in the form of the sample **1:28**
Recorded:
**8:15**
